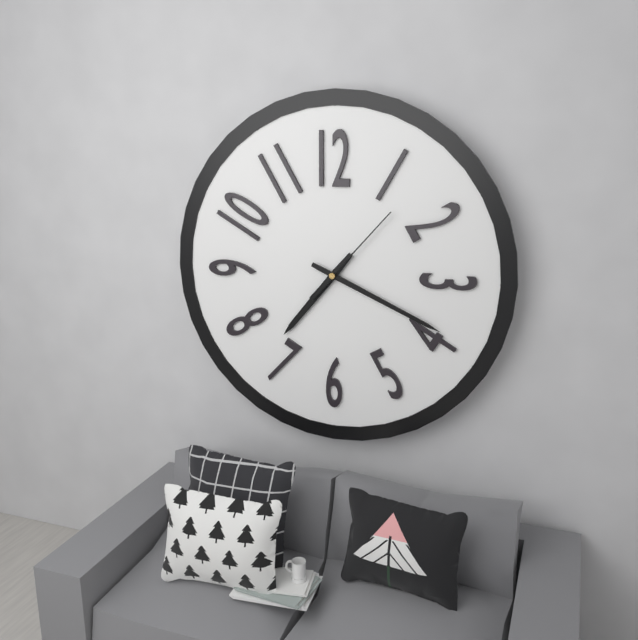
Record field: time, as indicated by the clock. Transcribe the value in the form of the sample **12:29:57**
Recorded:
**7:19:07**
